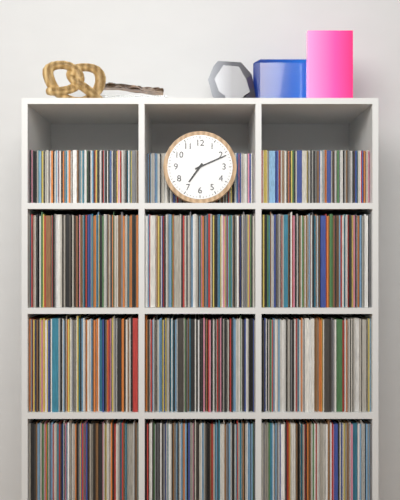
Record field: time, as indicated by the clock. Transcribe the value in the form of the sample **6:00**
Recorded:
**7:11**
